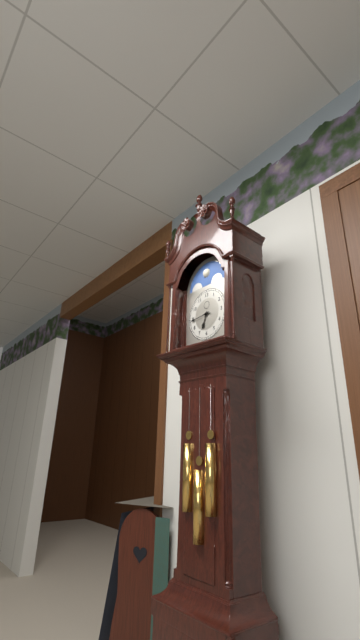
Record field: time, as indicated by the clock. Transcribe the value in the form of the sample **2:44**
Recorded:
**6:44**
